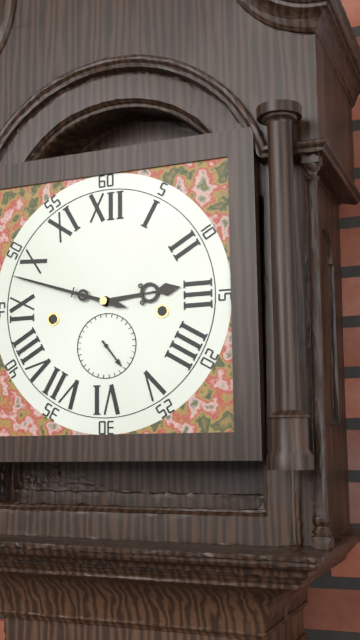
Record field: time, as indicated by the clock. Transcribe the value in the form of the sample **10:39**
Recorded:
**2:48**
